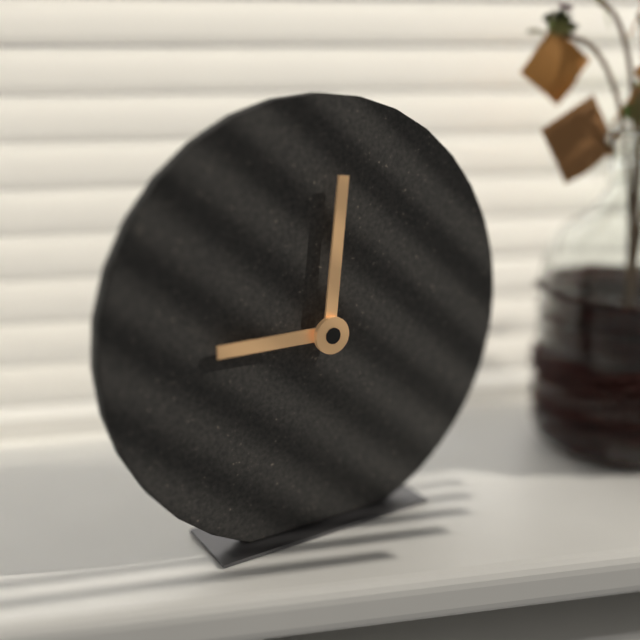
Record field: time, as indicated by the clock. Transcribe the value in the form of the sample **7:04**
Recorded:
**9:01**
